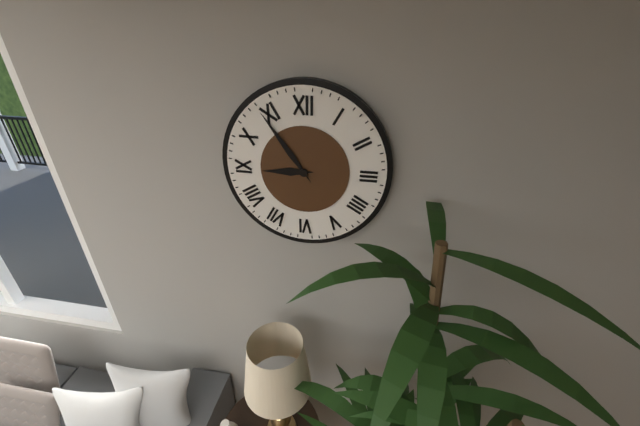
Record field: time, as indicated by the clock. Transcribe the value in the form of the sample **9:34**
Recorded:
**8:54**
